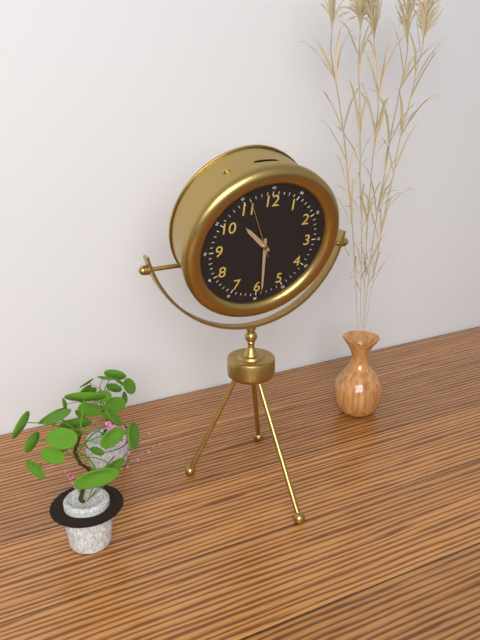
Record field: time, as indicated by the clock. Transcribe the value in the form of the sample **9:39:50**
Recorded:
**10:29:56**
